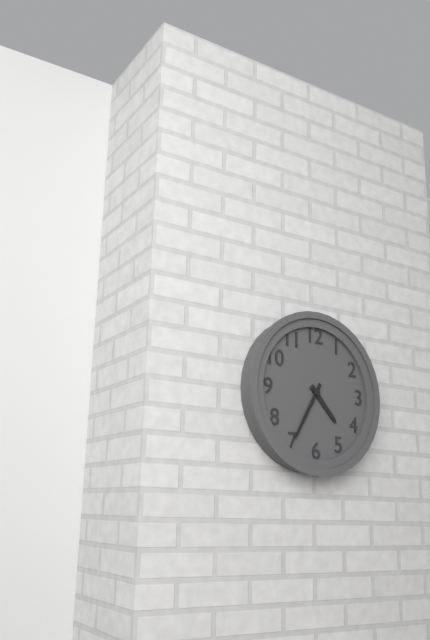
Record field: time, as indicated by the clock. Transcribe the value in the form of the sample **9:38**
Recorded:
**4:35**
